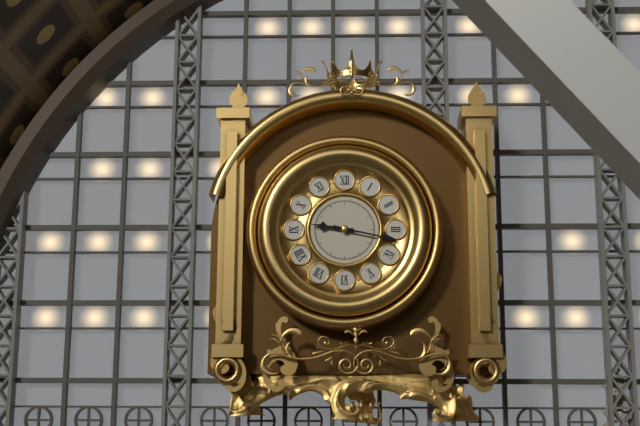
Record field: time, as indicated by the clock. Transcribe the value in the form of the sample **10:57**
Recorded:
**9:17**
